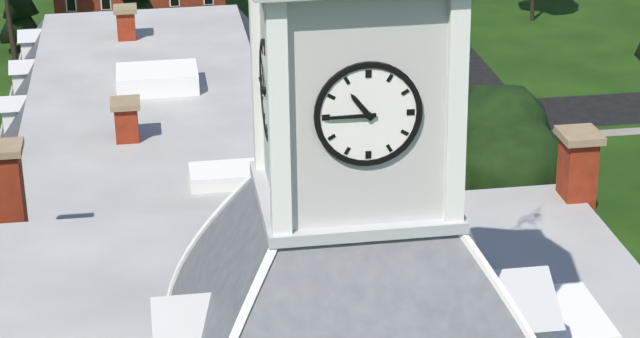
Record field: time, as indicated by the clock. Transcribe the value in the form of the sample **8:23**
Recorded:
**10:45**
